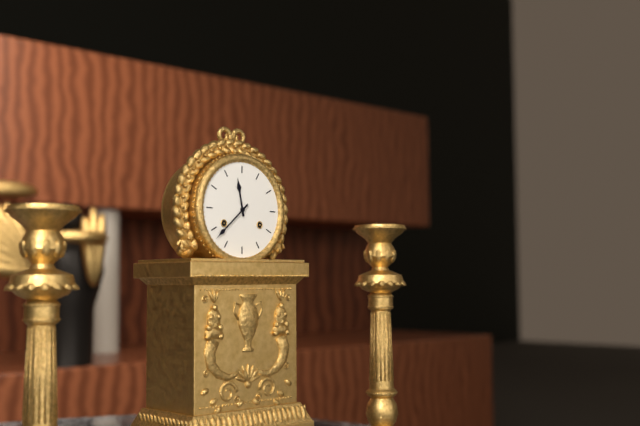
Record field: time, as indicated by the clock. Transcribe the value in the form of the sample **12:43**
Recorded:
**11:38**
